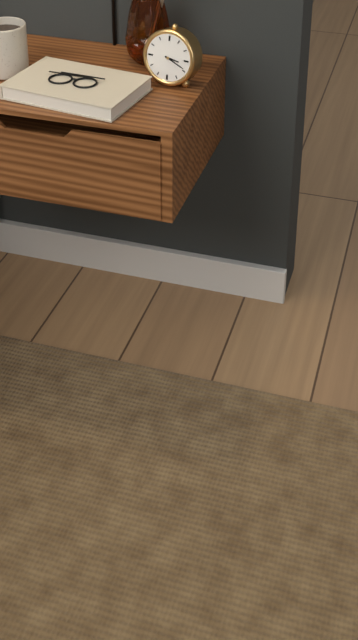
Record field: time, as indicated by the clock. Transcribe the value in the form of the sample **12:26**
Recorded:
**3:19**
